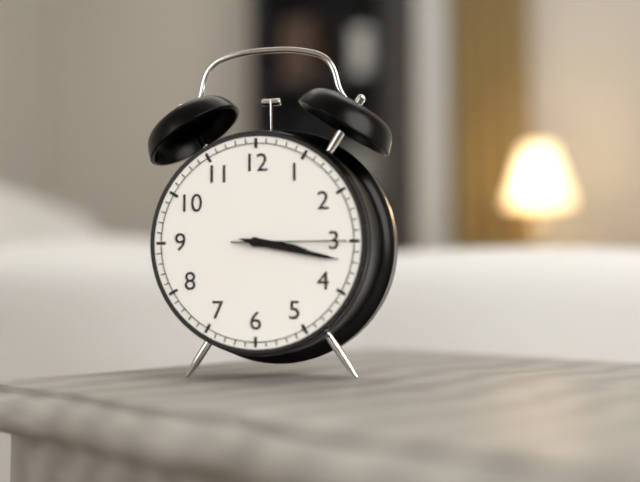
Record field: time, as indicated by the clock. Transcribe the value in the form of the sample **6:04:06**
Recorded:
**3:17:15**
